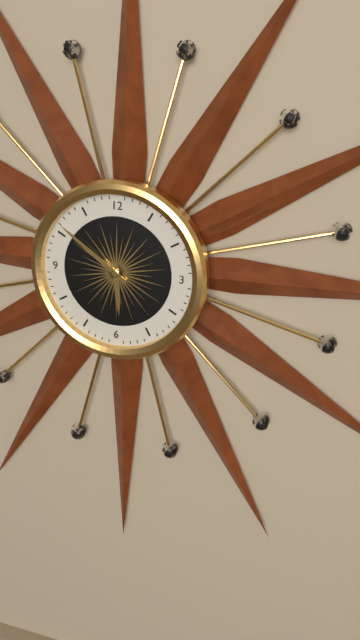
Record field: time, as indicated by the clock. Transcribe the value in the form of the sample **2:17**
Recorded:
**5:51**
